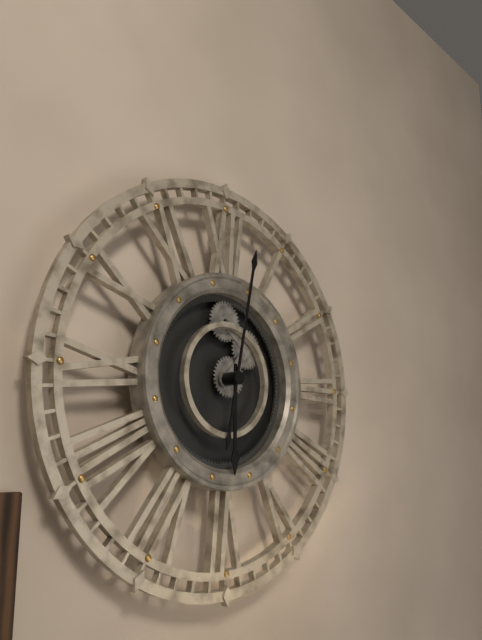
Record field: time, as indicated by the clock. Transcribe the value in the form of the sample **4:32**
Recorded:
**6:02**
